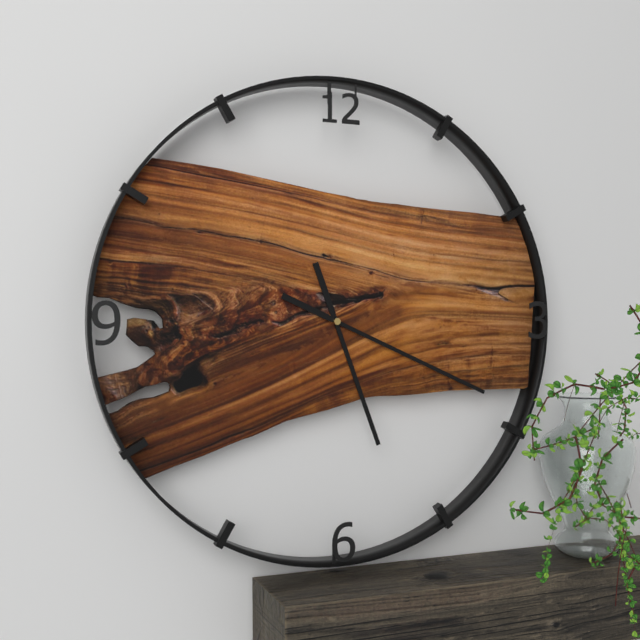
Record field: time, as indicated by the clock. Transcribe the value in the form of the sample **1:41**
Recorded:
**5:19**
